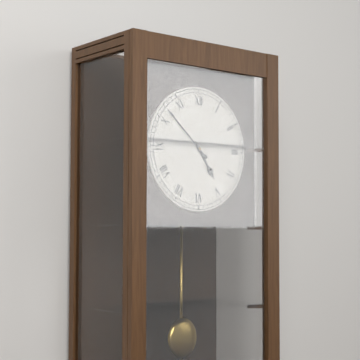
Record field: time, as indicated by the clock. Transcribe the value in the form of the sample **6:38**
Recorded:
**4:52**
